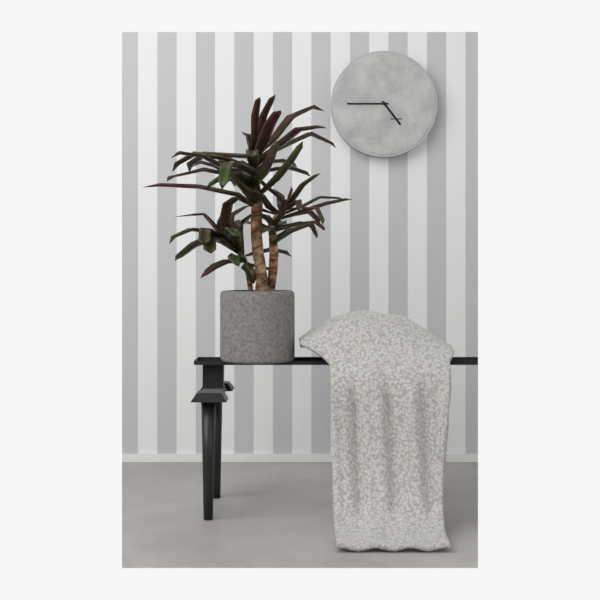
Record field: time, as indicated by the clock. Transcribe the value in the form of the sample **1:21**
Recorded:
**4:45**
